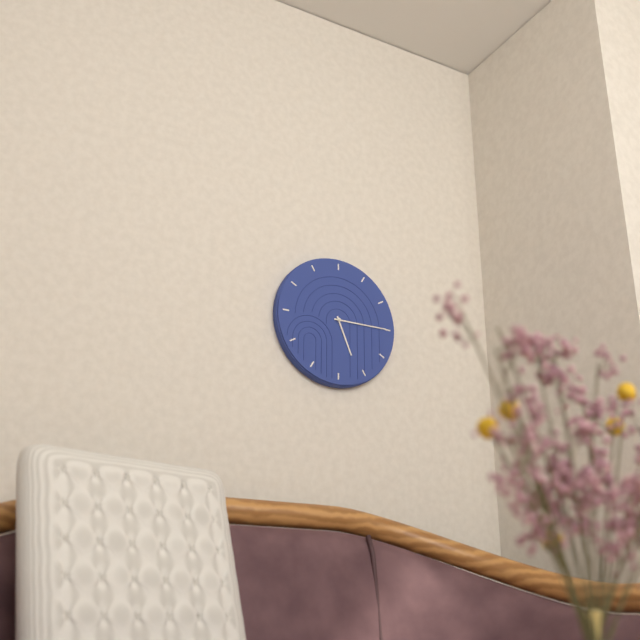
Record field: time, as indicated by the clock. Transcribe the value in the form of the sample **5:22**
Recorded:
**5:15**
